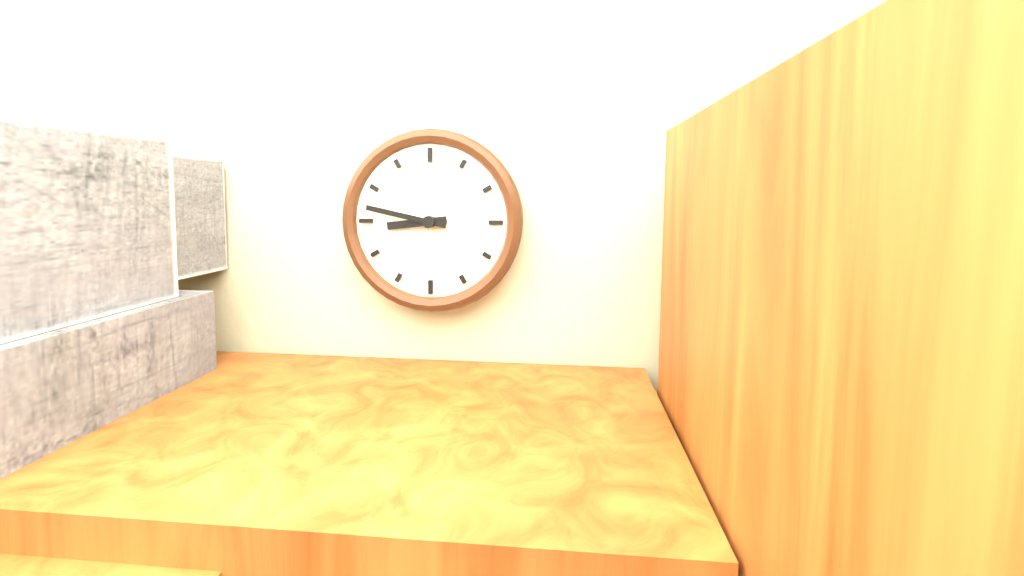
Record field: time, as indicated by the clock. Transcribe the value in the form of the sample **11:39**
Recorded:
**8:47**
